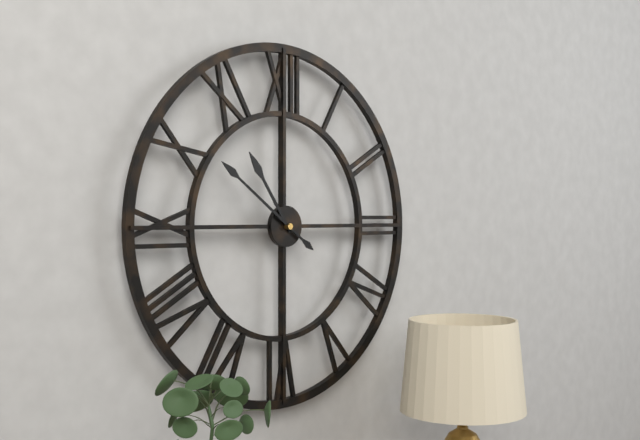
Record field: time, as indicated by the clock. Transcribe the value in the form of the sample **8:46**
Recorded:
**10:51**
